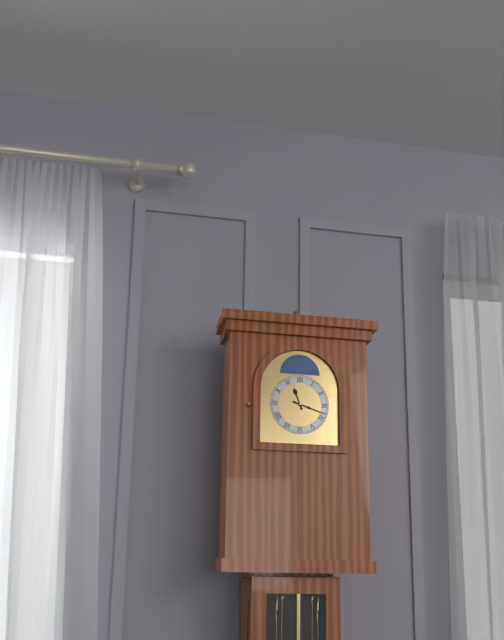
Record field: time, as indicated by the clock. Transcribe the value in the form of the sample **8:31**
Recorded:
**11:18**
